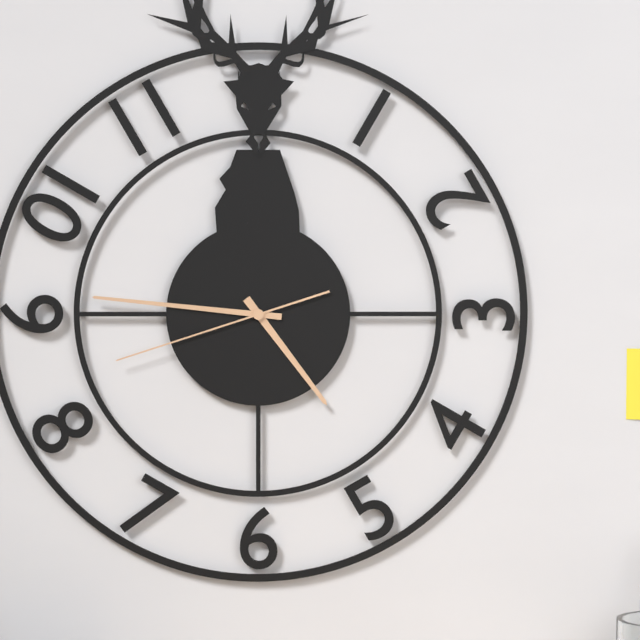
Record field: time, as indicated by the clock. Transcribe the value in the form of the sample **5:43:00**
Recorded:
**4:46:42**
